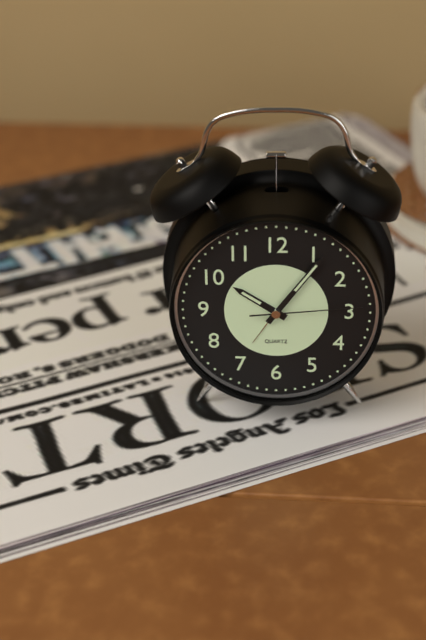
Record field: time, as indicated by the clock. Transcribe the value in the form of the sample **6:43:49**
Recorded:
**10:06:14**
